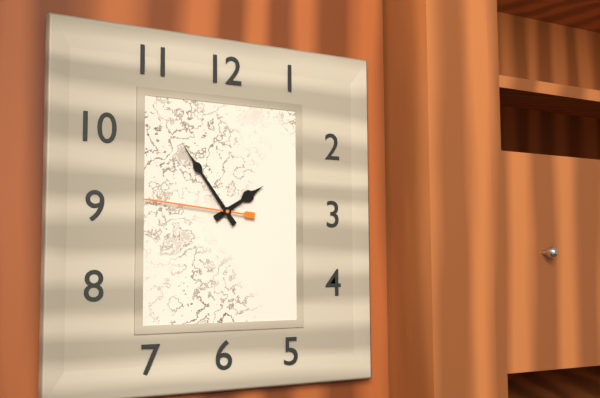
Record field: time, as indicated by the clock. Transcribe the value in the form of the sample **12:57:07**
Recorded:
**1:54:46**
